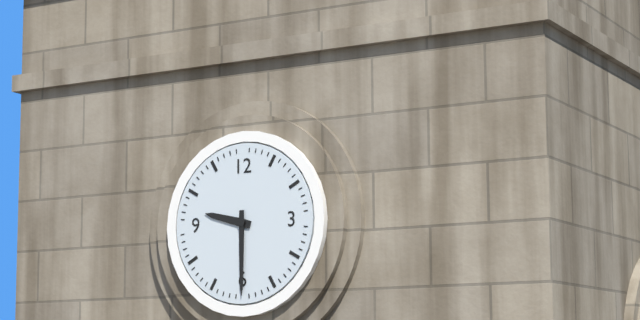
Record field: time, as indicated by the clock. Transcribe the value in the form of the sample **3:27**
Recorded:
**9:30**
